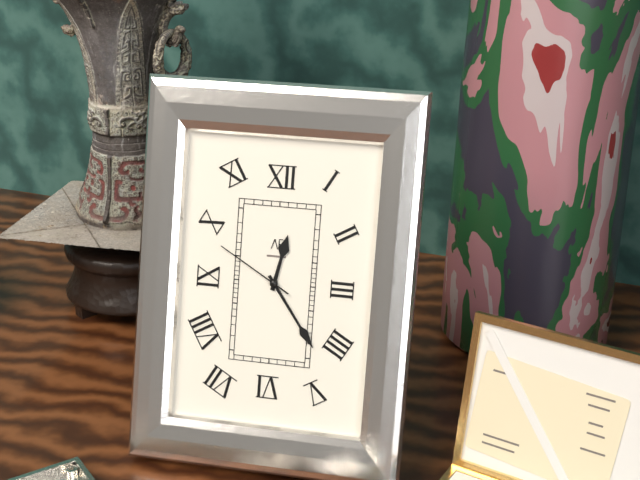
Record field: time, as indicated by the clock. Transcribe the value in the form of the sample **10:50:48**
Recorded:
**12:24:50**
